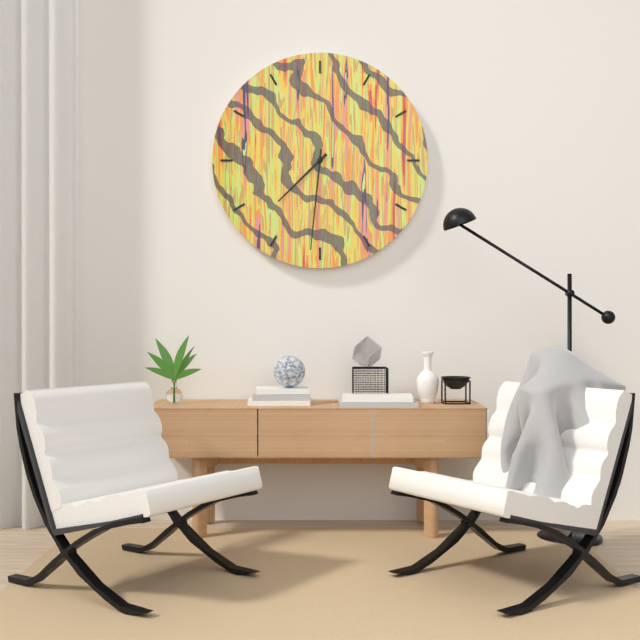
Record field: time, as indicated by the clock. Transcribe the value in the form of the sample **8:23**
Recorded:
**7:31**
